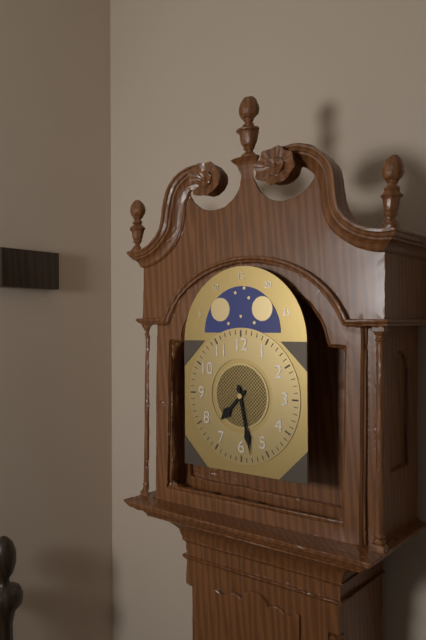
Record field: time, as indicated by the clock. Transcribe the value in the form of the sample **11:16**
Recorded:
**7:28**
